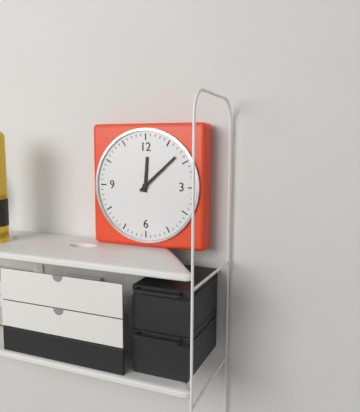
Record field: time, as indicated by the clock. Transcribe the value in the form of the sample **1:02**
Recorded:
**12:08**
